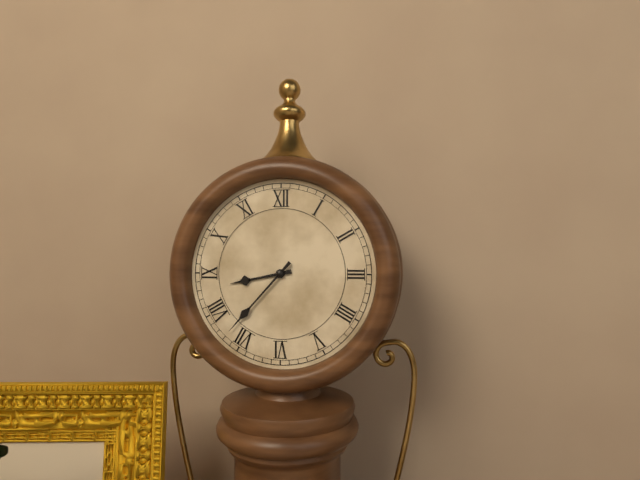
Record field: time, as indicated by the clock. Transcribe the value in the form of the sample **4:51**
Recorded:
**8:37**
